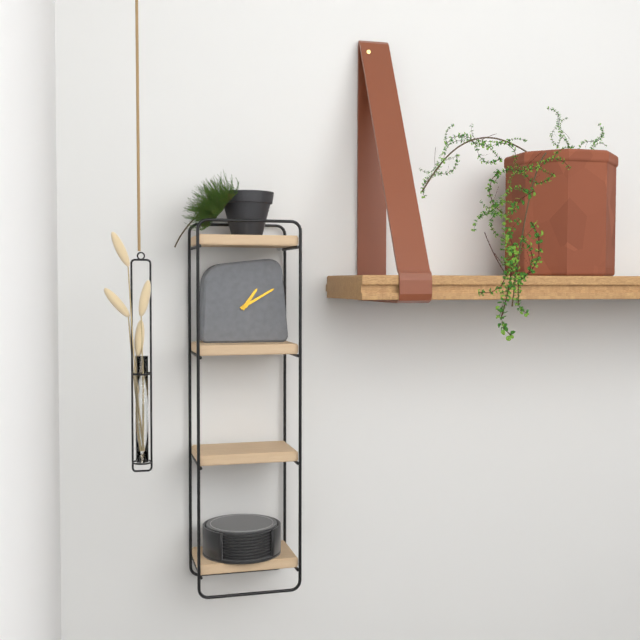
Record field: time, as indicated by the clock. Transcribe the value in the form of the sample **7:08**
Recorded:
**1:10**
